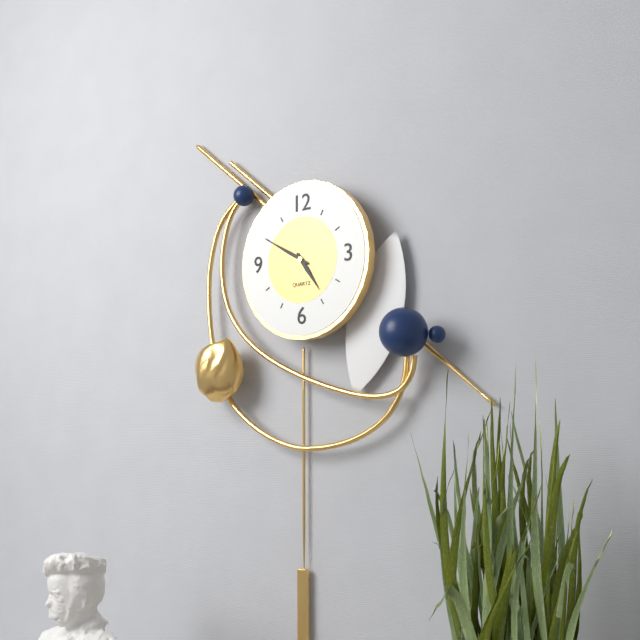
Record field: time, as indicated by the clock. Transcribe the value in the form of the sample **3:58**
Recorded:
**4:50**
